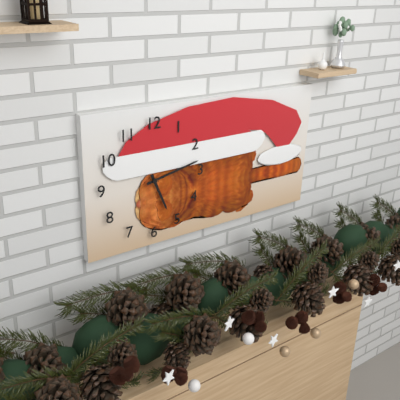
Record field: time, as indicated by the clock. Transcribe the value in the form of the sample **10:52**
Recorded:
**5:13**
